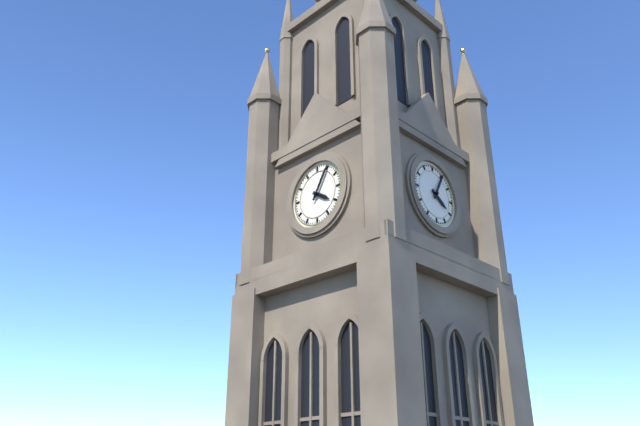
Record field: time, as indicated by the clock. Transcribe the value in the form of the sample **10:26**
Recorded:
**4:05**
